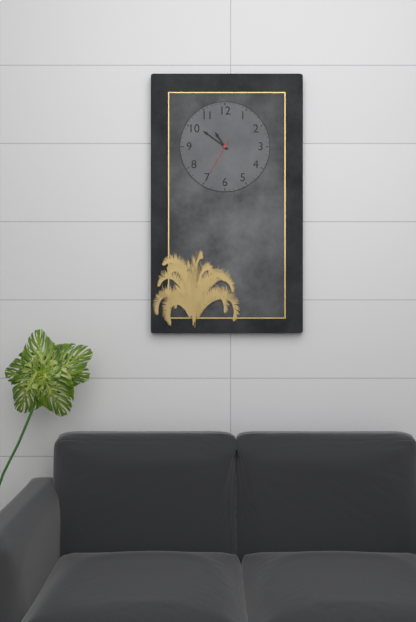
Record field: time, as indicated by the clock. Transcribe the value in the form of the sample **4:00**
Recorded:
**10:51**
